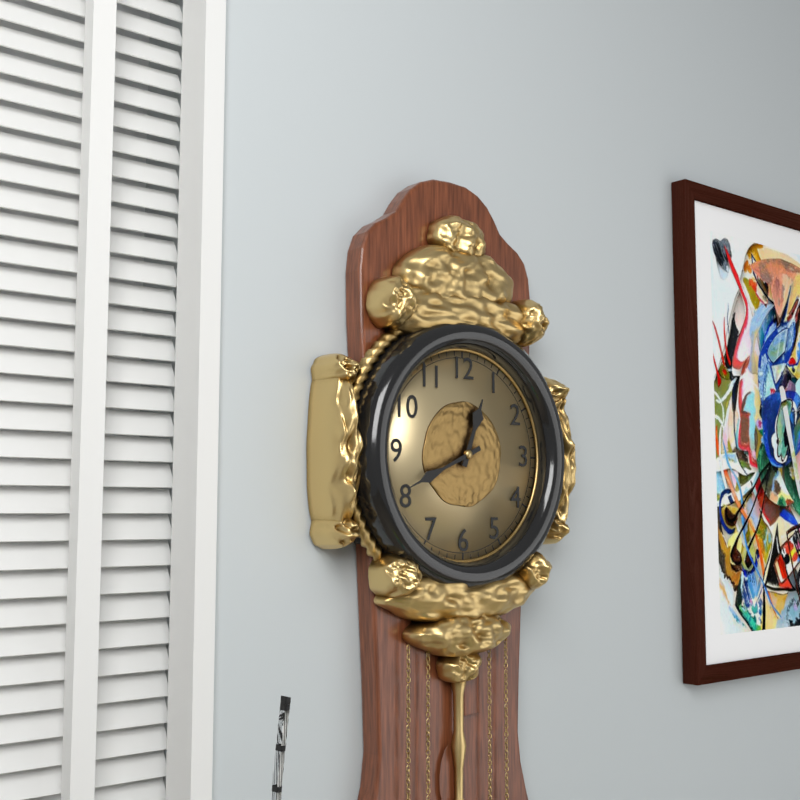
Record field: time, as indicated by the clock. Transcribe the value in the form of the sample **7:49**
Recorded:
**12:41**
